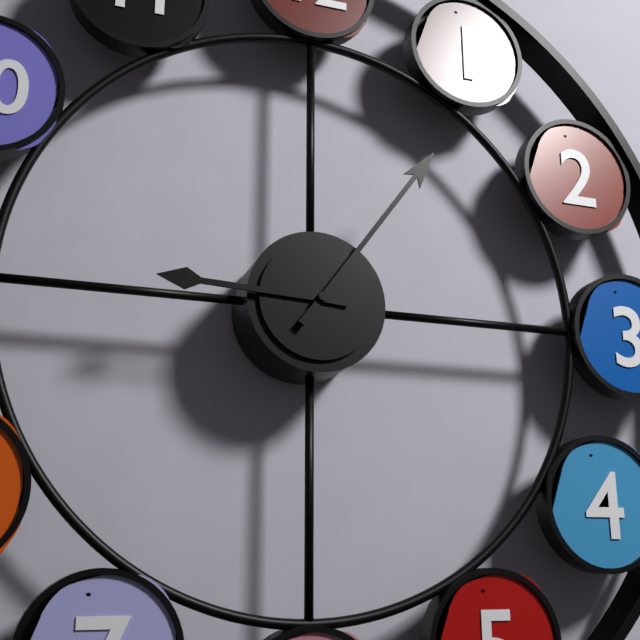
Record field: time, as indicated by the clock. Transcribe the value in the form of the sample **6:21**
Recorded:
**9:06**
